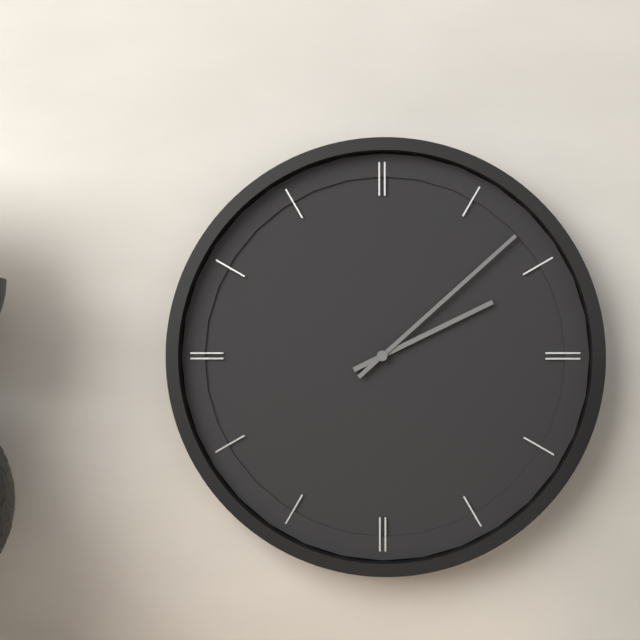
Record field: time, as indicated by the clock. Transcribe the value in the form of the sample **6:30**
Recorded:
**2:08**
